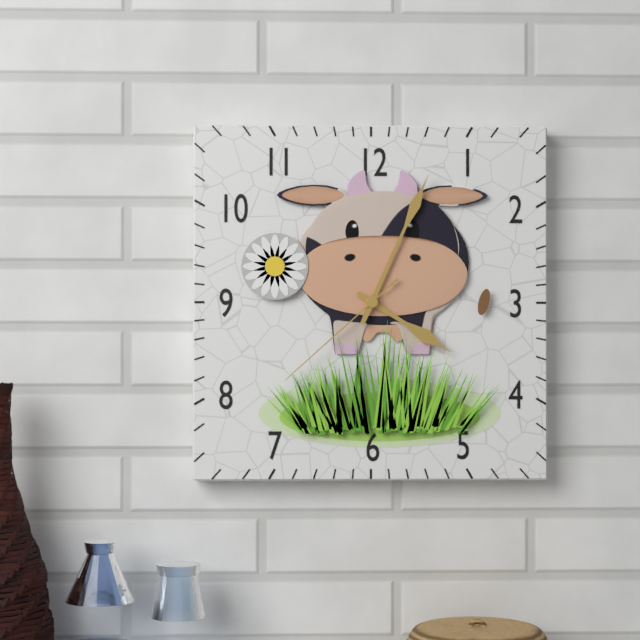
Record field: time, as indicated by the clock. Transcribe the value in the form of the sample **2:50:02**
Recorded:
**4:04:38**
